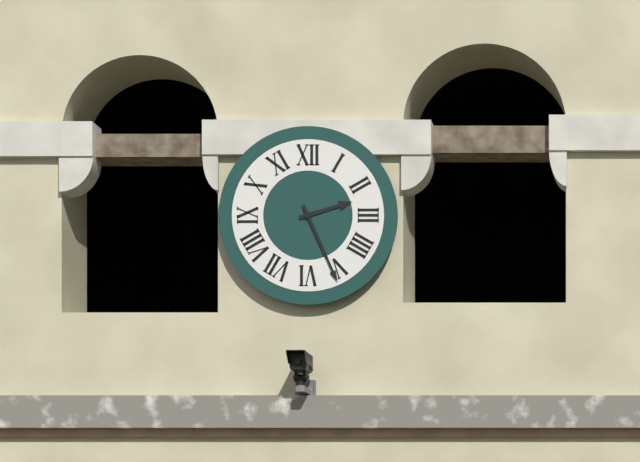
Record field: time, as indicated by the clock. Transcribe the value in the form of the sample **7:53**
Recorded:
**2:26**
